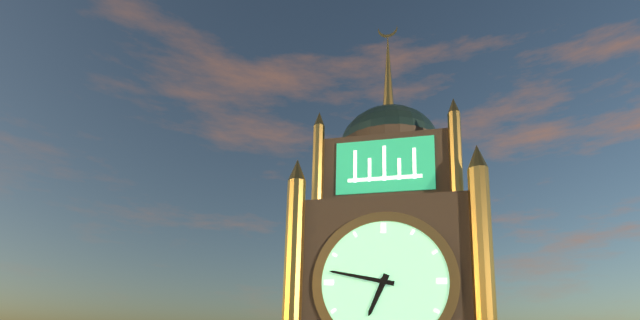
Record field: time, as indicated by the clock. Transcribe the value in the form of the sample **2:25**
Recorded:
**6:47**
